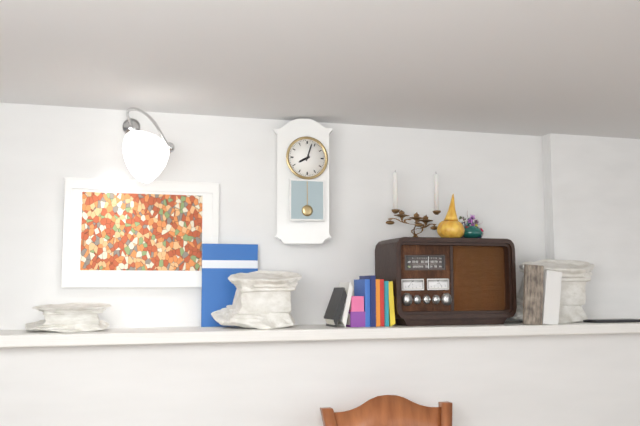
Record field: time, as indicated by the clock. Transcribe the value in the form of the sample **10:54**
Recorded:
**8:03**
